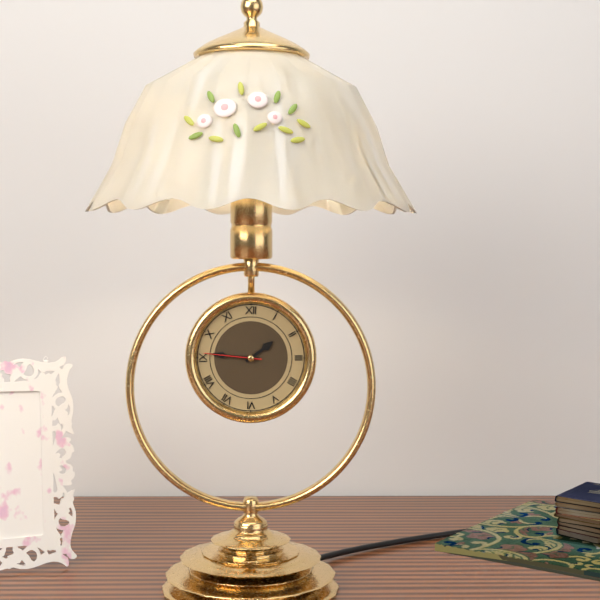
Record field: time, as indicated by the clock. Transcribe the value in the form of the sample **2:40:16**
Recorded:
**1:46:46**
